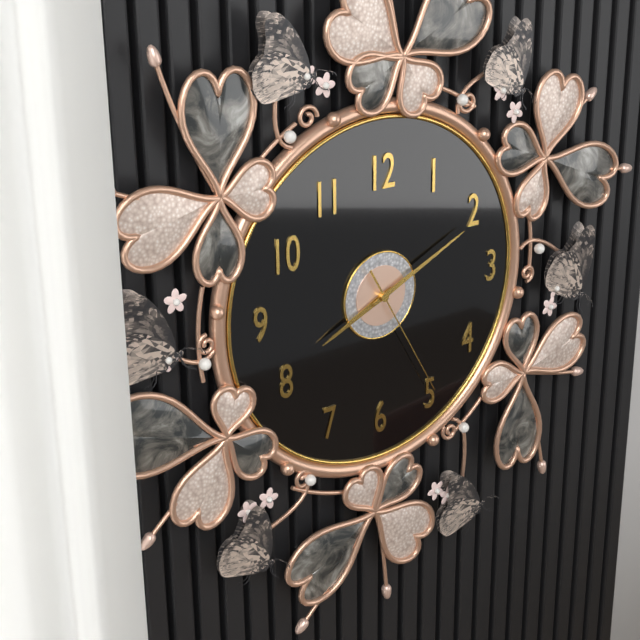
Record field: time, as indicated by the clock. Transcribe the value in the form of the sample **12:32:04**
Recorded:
**8:11:25**
